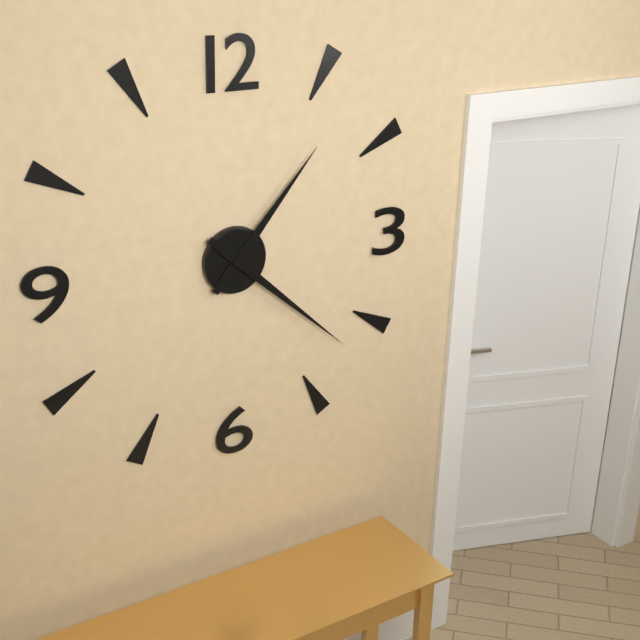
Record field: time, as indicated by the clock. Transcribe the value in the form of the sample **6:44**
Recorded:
**1:22**
